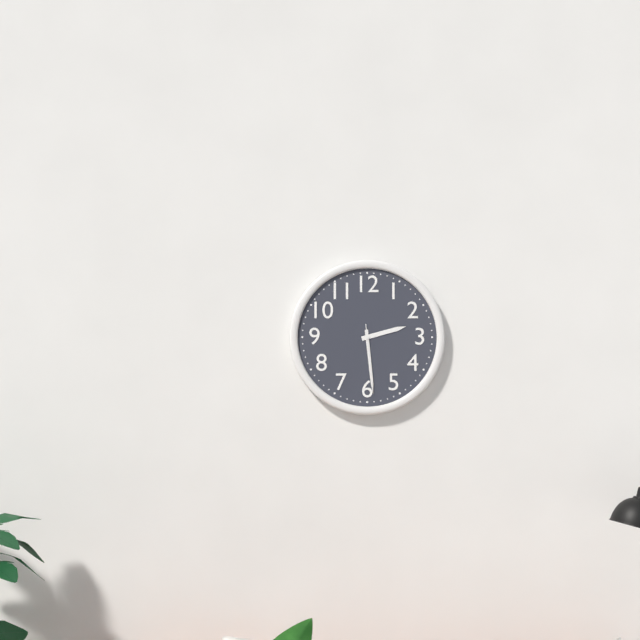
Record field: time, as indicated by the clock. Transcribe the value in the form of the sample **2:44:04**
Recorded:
**2:29:29**
